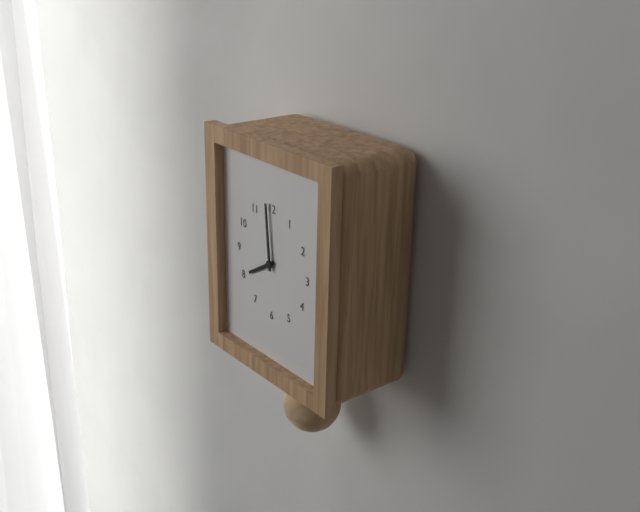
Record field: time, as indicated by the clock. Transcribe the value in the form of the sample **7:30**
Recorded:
**7:59**
